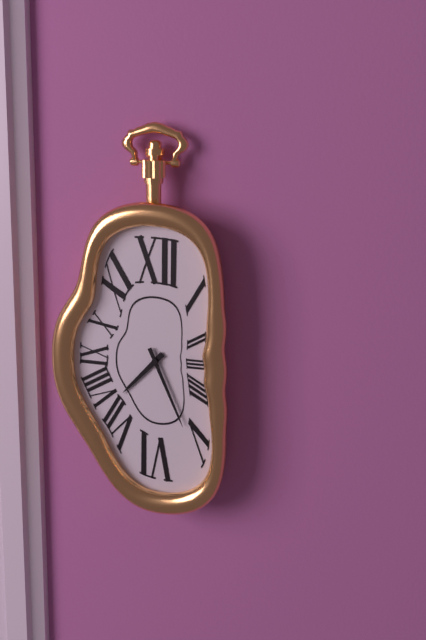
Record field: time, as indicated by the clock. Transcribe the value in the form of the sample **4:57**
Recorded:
**7:26**
